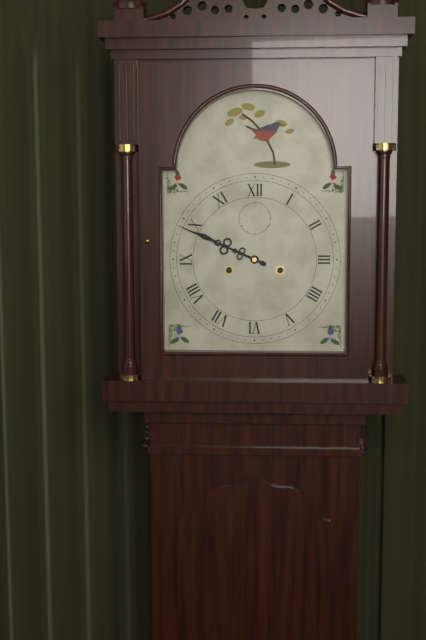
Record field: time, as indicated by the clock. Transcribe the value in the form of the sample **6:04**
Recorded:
**9:49**
